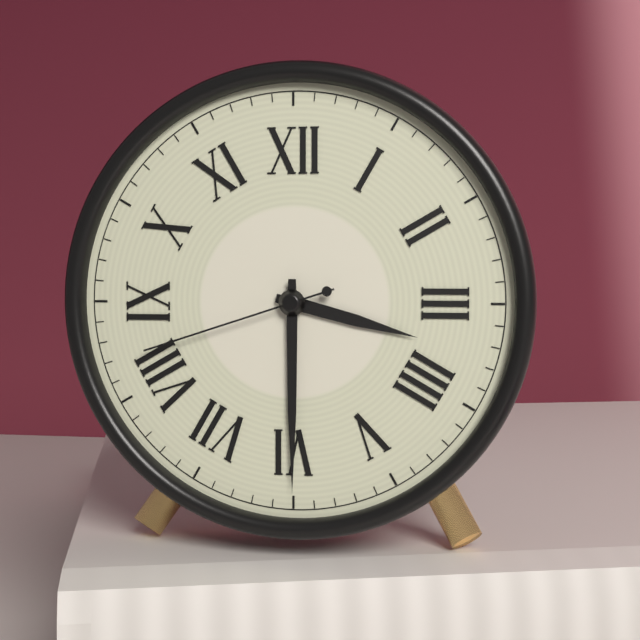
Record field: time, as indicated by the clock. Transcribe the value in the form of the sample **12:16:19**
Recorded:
**3:30:42**
